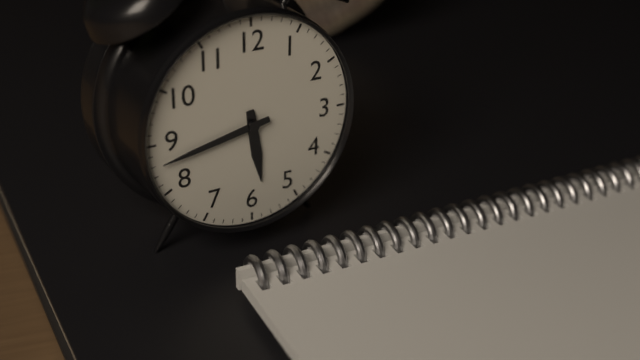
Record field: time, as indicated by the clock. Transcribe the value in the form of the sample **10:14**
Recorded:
**5:43**
